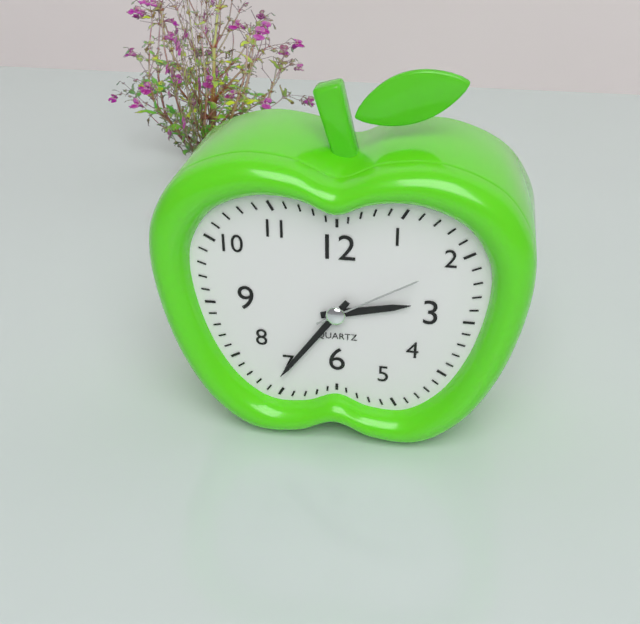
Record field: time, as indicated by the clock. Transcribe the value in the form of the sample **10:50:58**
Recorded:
**2:36:10**
